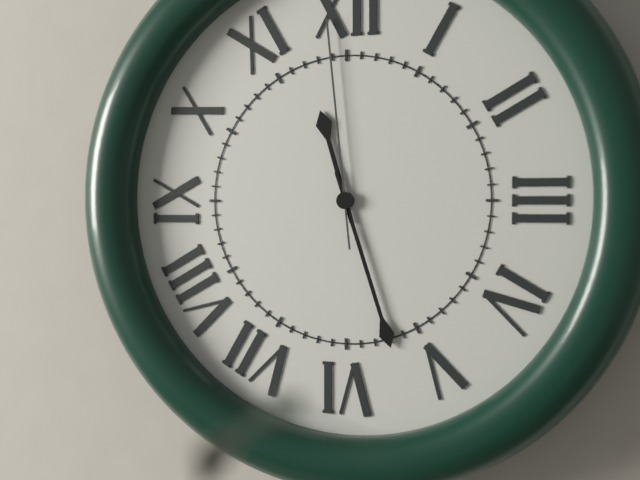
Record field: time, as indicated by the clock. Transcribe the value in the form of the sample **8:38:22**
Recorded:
**11:27:59**
